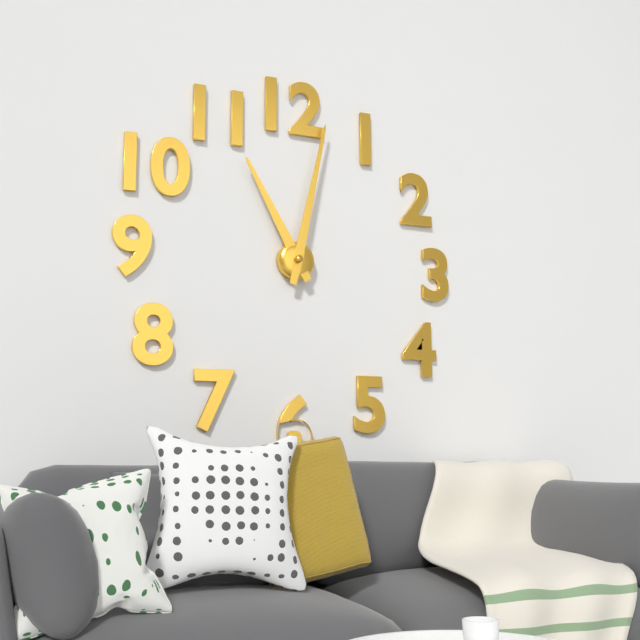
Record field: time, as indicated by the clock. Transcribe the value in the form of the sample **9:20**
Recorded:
**11:02**
